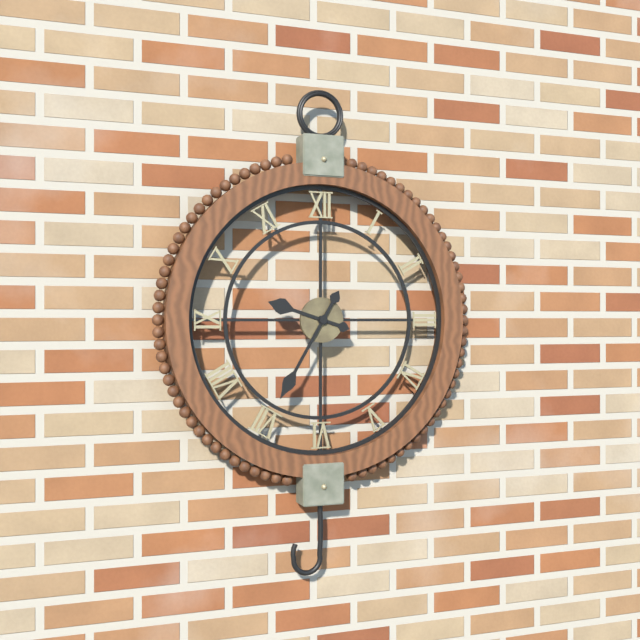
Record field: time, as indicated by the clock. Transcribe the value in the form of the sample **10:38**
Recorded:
**9:35**
